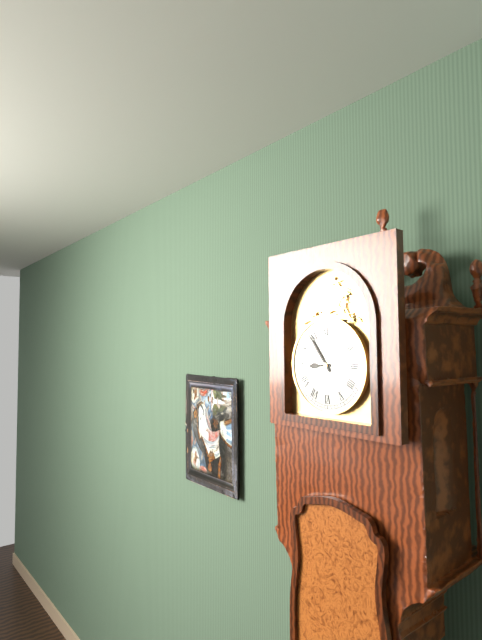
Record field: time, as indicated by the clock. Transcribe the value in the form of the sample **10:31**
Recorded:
**8:54**
